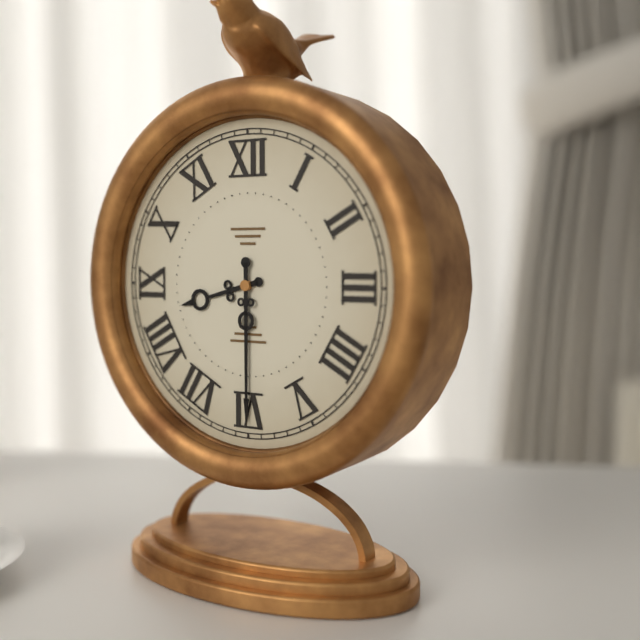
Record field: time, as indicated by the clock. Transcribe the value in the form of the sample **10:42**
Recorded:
**8:30**
